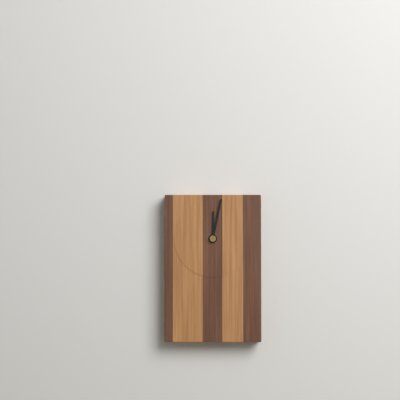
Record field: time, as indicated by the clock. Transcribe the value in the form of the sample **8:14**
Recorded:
**12:02**
